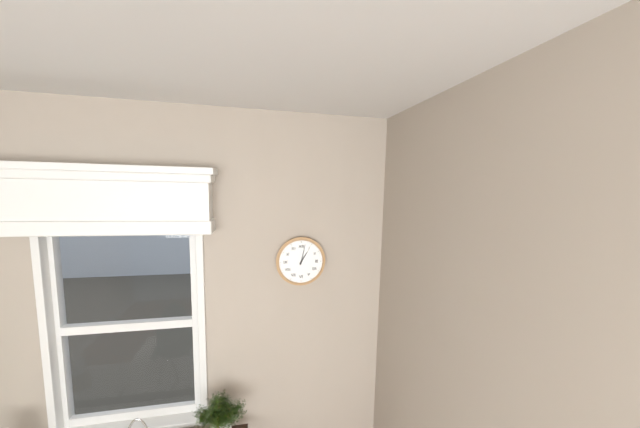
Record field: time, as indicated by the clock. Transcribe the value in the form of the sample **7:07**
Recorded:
**1:02**
